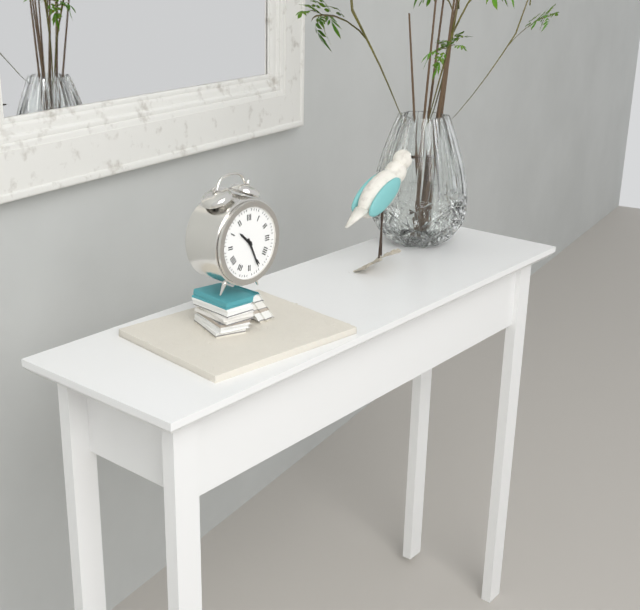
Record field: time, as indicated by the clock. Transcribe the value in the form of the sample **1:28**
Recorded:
**10:26**
